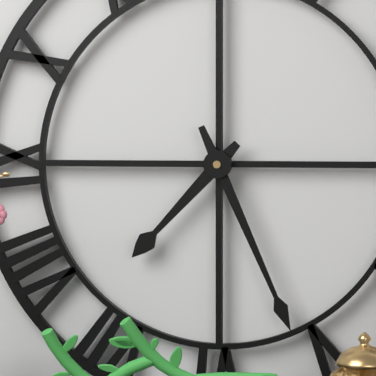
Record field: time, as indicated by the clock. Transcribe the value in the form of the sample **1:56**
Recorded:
**7:26**
